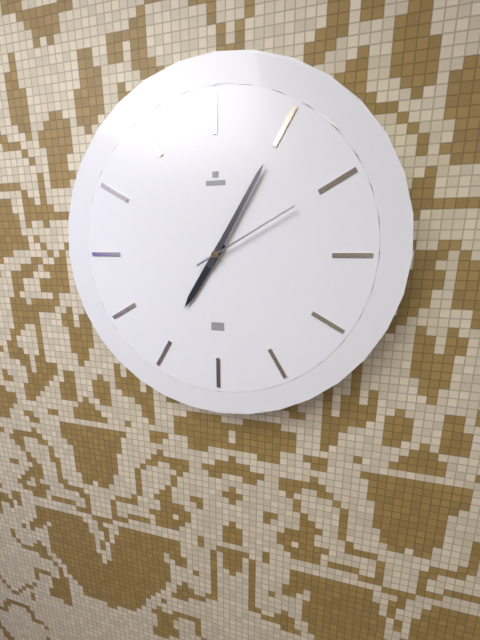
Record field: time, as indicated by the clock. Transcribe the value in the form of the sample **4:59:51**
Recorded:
**7:05:10**
